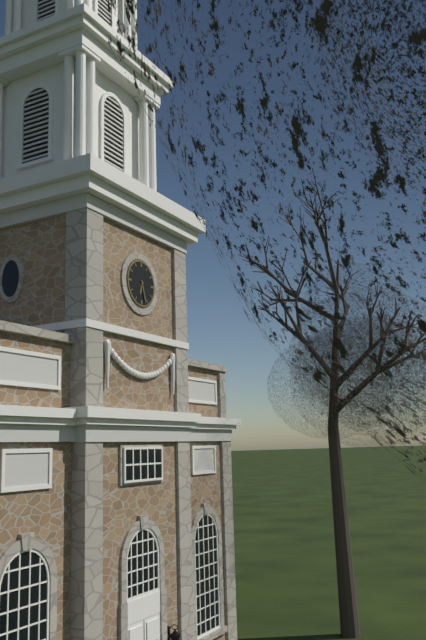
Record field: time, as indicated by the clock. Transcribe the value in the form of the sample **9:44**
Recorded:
**6:27**
